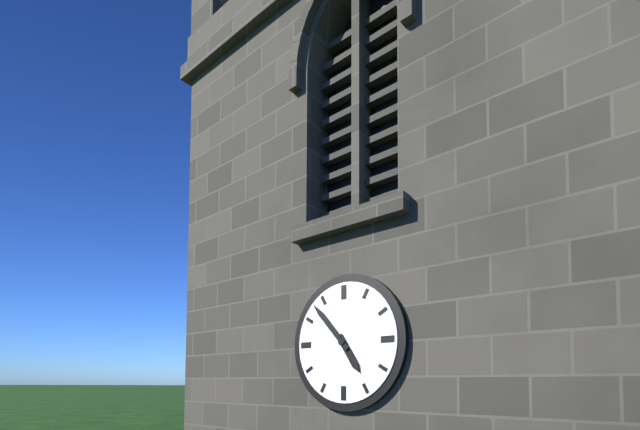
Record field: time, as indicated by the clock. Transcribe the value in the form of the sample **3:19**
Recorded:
**4:53**
